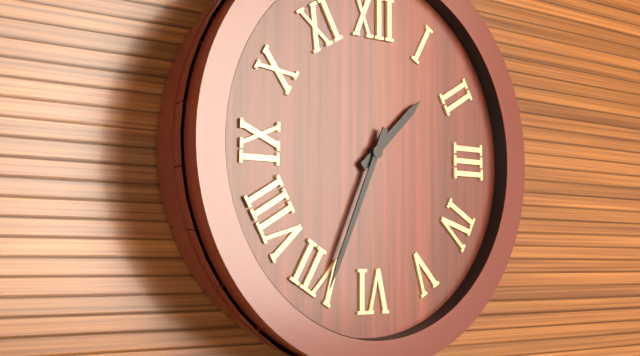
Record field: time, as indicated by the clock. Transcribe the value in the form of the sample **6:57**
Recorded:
**1:34**
